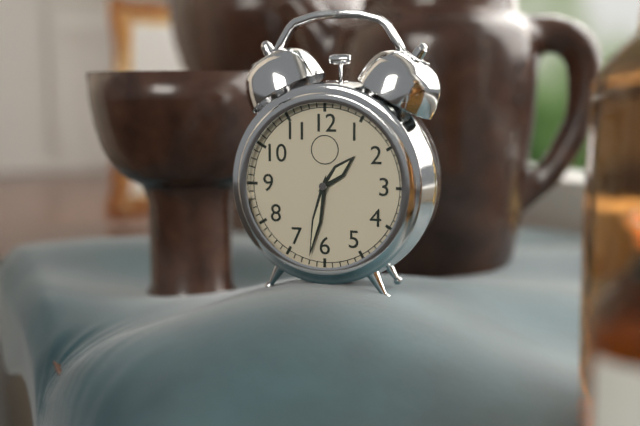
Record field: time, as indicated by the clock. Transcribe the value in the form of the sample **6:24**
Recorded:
**1:32**
